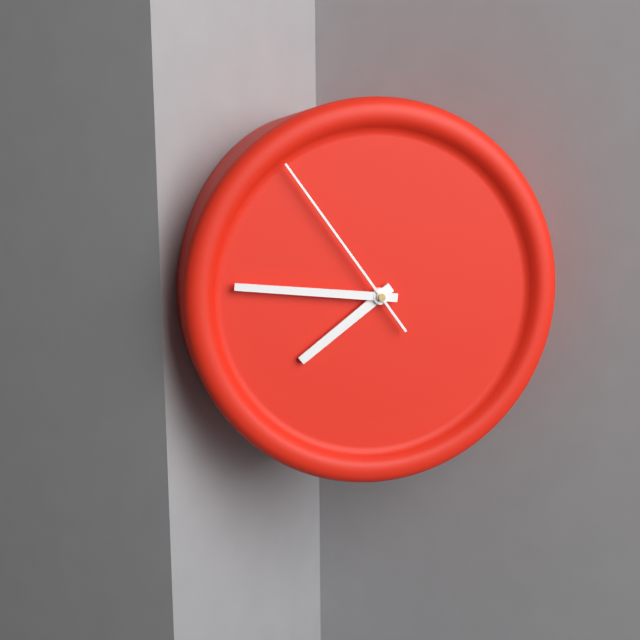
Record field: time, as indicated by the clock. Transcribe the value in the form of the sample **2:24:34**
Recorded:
**7:46:54**
